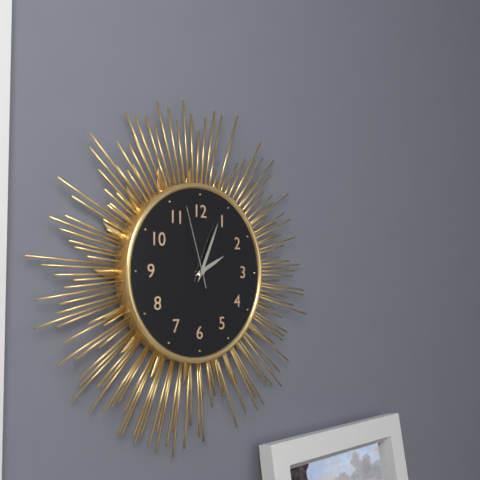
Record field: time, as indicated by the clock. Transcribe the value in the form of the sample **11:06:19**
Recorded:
**2:04:57**
